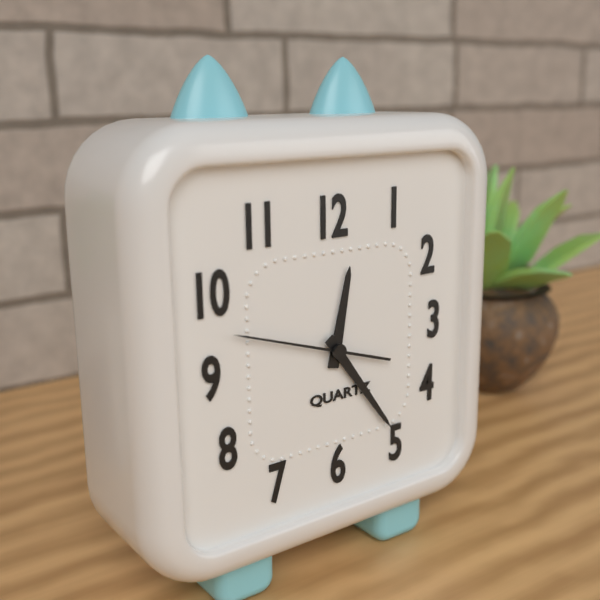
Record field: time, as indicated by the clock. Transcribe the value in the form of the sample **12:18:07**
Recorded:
**12:24:48**
